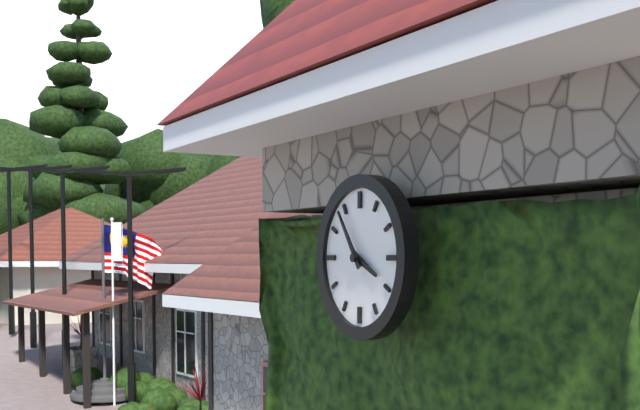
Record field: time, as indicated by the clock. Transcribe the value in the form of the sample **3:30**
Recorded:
**3:54**
